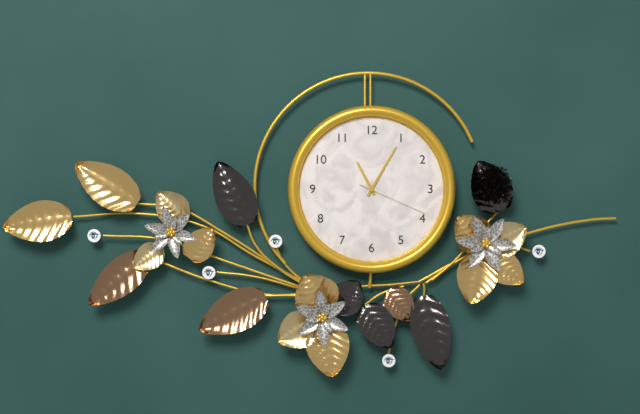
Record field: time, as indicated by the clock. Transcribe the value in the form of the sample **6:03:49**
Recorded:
**11:05:19**
